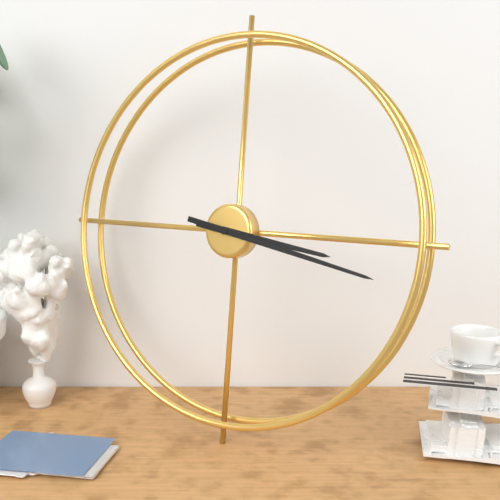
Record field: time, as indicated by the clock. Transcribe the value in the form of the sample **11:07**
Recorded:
**3:17**
